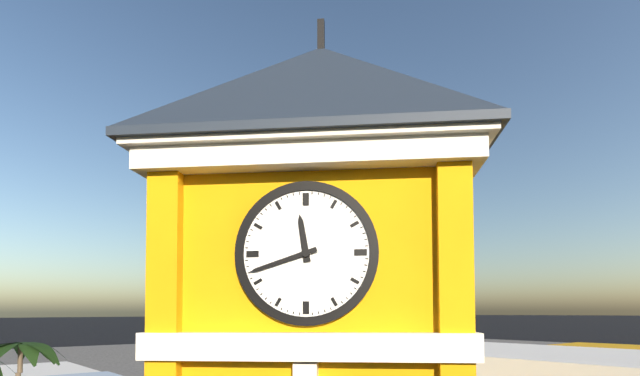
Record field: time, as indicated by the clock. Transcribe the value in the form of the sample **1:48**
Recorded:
**11:42**
